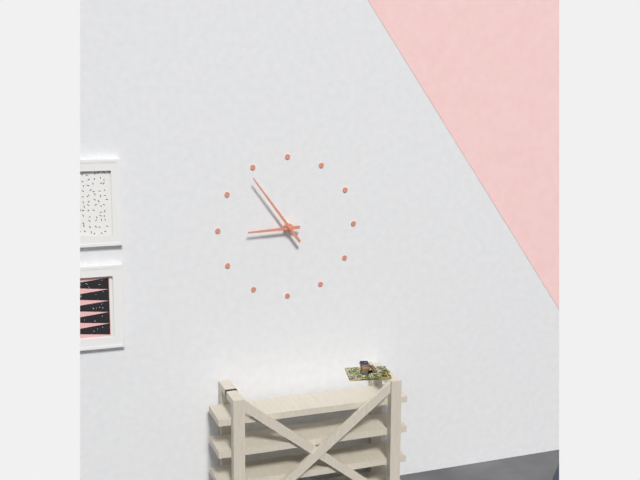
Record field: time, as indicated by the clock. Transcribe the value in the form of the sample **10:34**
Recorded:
**8:54**
